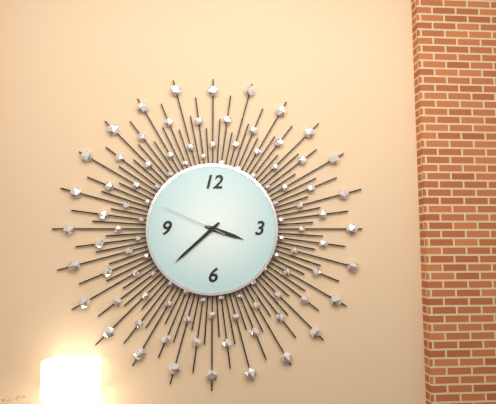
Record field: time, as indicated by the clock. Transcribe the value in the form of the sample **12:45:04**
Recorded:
**3:38:49**
